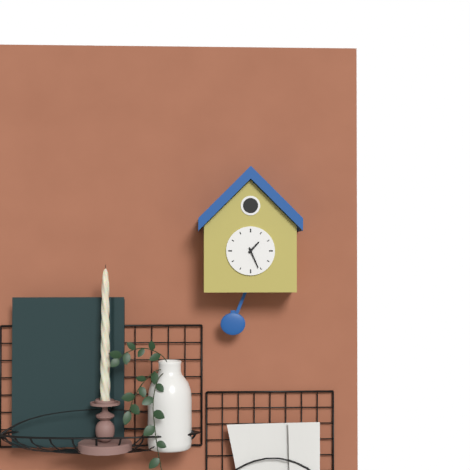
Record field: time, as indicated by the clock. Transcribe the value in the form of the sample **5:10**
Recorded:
**1:26**
